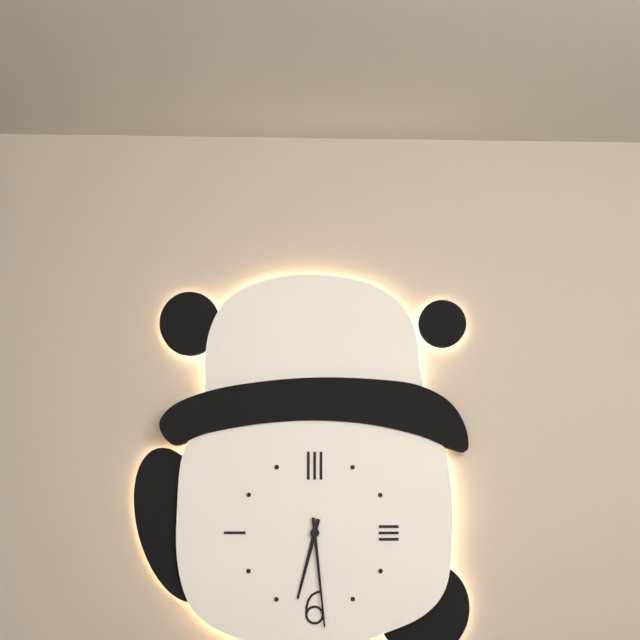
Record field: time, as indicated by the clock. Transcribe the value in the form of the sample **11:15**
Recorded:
**6:29**
